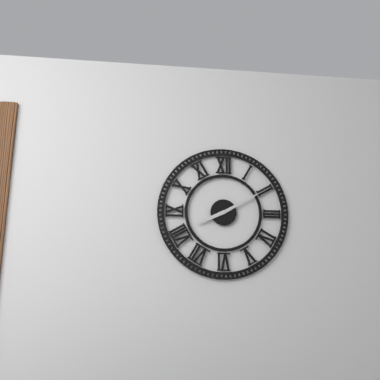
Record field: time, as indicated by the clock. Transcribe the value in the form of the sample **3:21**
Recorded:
**8:10**
